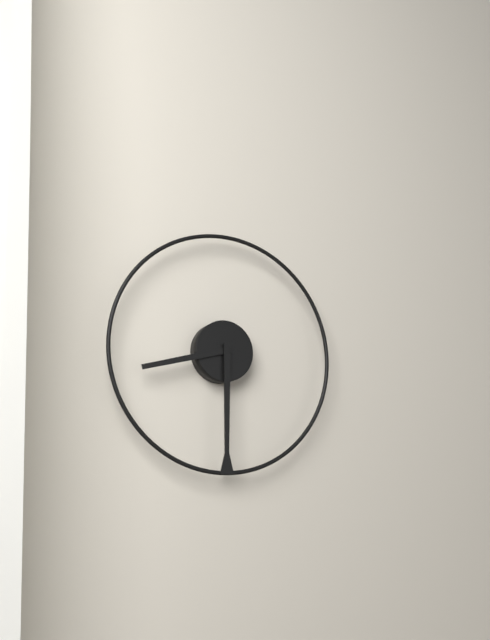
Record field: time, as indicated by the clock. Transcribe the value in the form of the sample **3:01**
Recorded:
**8:30**
